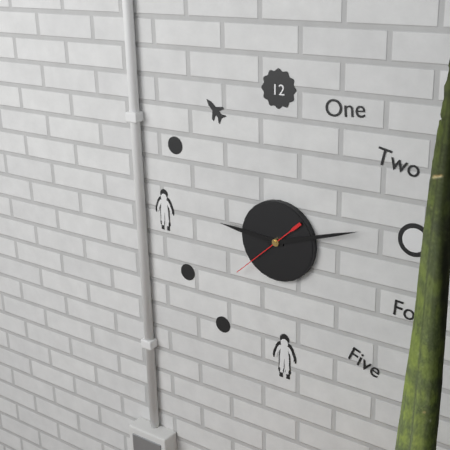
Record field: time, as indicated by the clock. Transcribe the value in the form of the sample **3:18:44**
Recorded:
**9:12:38**
